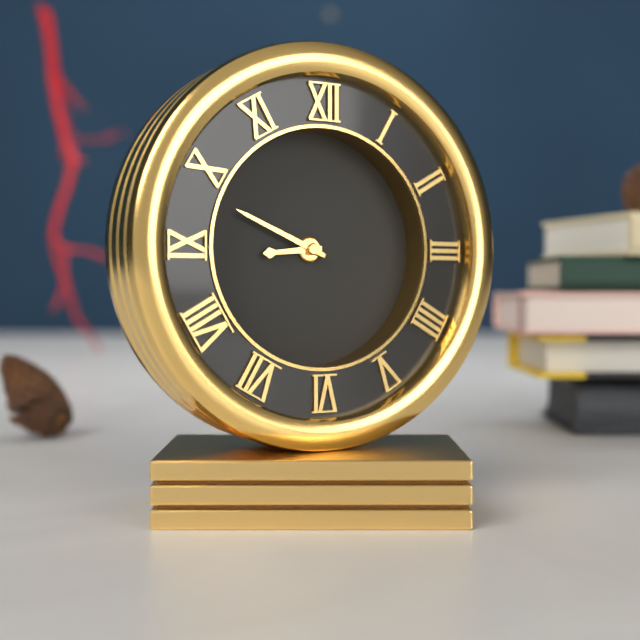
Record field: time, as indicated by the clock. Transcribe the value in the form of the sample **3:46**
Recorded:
**8:49**
